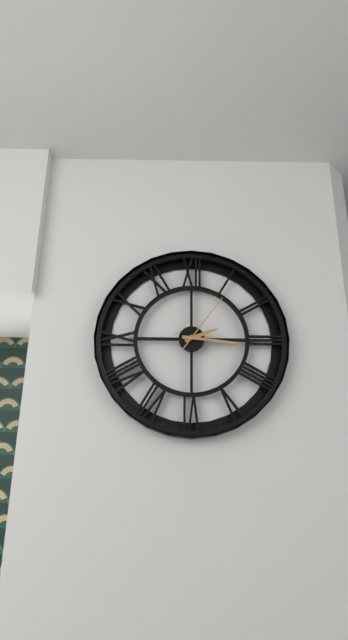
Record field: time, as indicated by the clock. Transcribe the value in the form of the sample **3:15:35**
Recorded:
**2:16:06**
